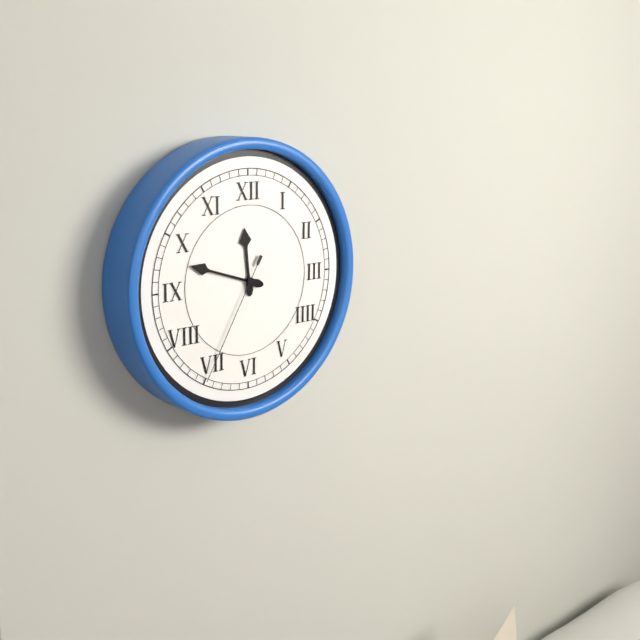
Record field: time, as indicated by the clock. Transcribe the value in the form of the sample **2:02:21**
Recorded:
**11:48:35**
